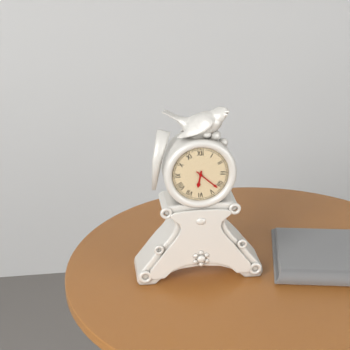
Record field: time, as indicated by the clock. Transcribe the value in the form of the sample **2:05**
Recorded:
**6:22**
